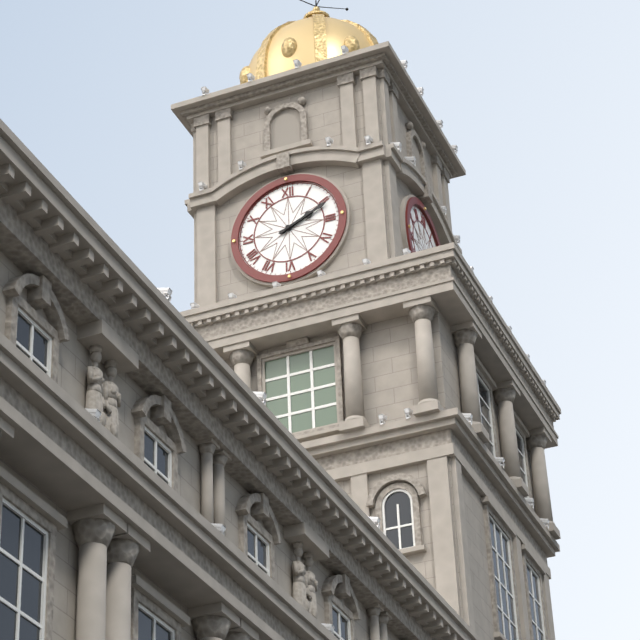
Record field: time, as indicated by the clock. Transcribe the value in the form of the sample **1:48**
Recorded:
**2:11**
